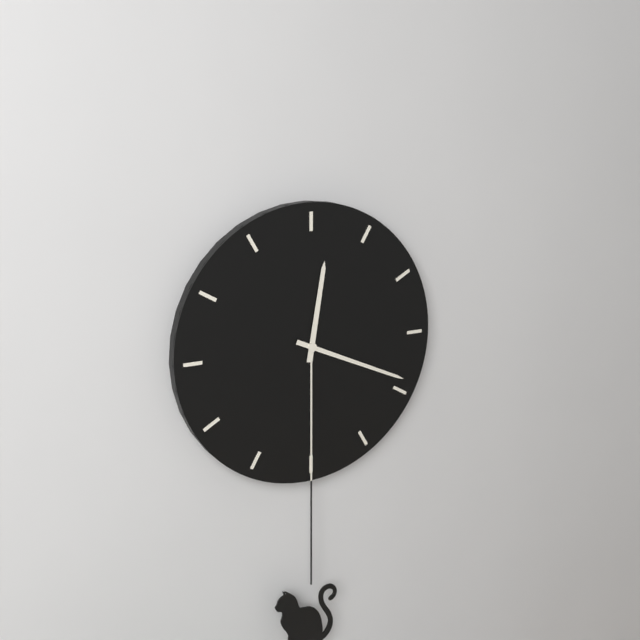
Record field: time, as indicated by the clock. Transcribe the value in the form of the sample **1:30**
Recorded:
**12:19**
